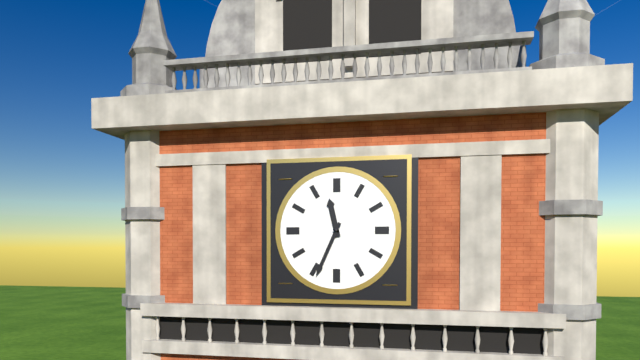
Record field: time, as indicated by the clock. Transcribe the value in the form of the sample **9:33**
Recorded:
**11:34**
